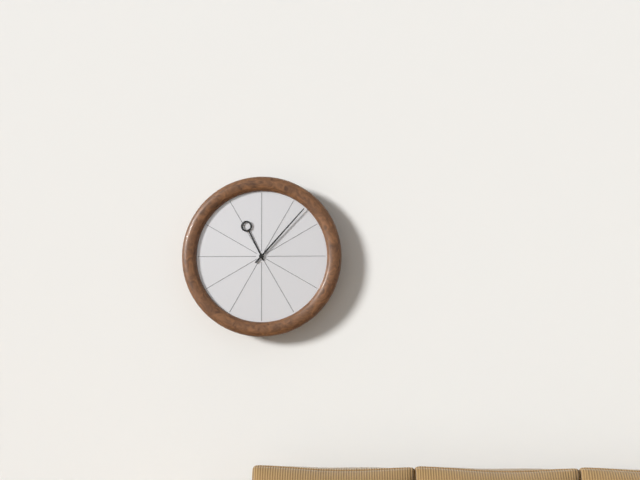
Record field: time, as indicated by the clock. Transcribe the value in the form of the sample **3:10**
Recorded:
**11:07**
